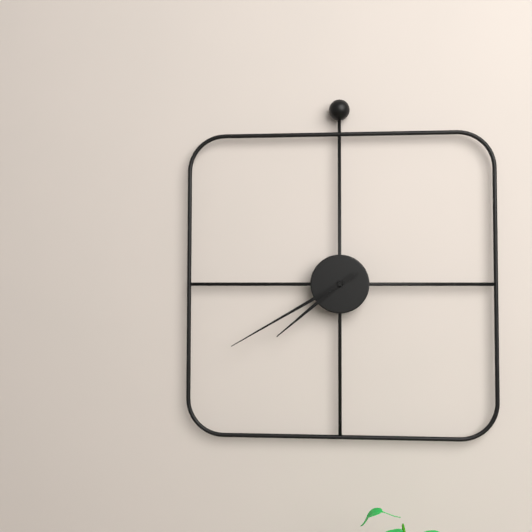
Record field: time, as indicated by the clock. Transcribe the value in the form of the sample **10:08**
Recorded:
**7:40**
